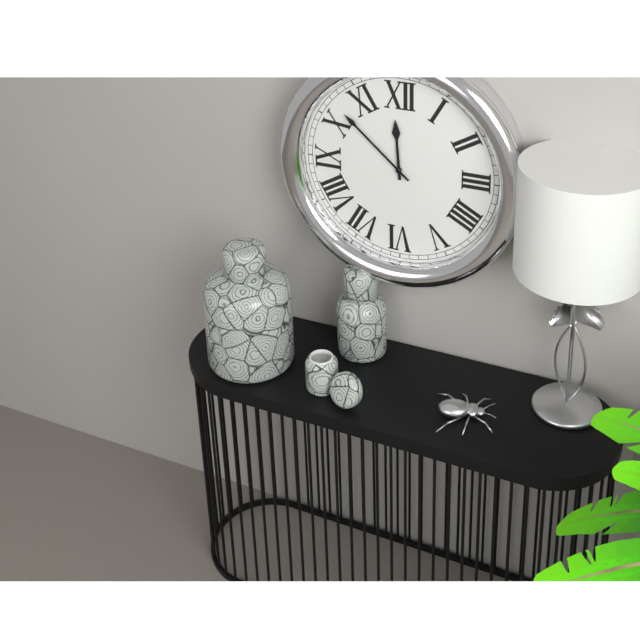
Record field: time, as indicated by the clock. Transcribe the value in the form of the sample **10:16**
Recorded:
**11:52**
